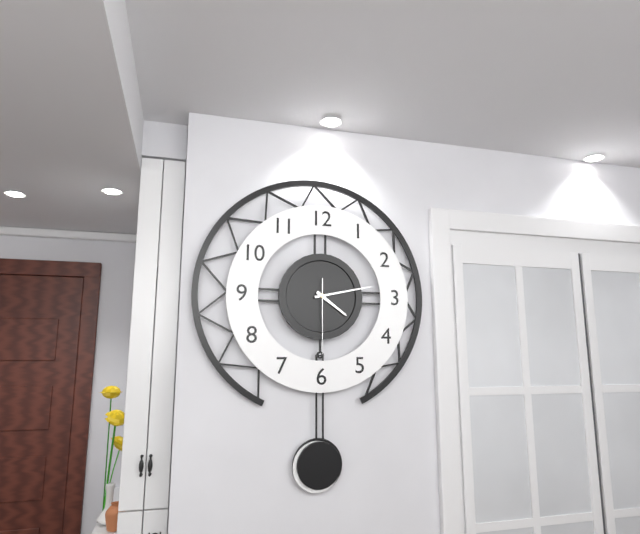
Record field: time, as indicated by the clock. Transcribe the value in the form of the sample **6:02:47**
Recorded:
**4:13:30**
